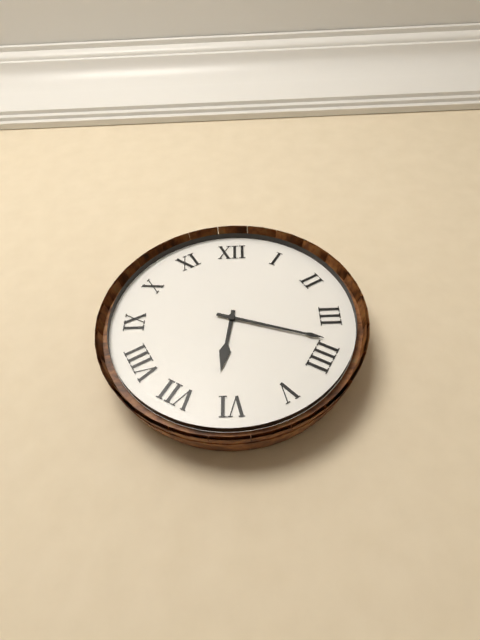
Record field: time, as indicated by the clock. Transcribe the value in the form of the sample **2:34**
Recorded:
**6:18**
